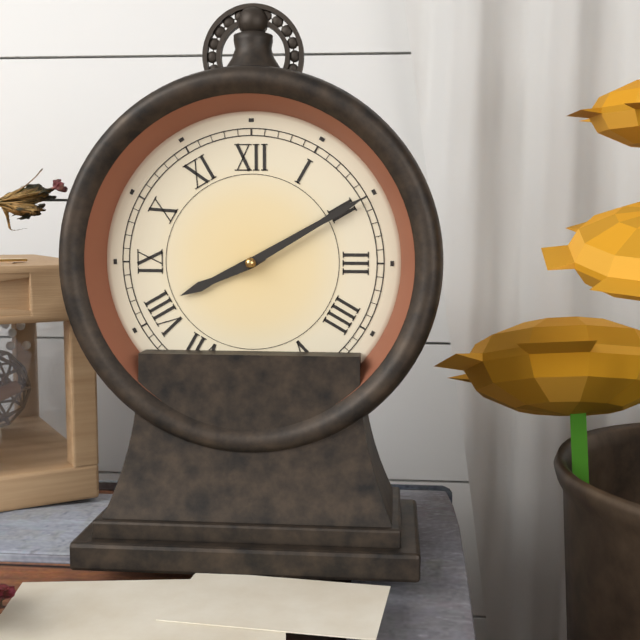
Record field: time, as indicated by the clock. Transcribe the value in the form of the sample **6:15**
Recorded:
**8:10**
